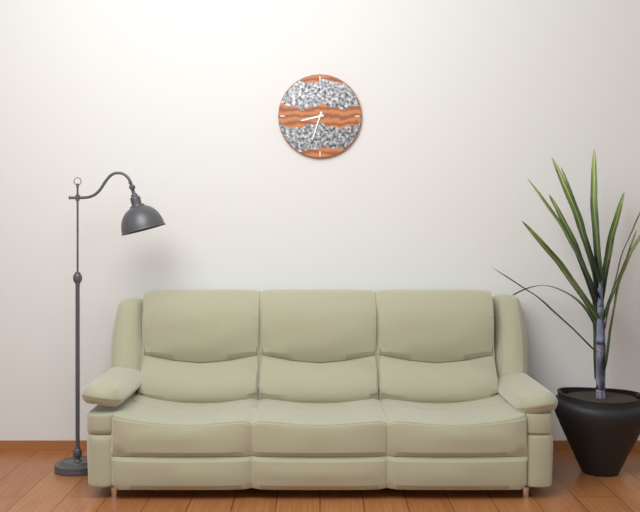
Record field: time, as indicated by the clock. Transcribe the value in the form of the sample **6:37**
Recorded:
**8:33**
